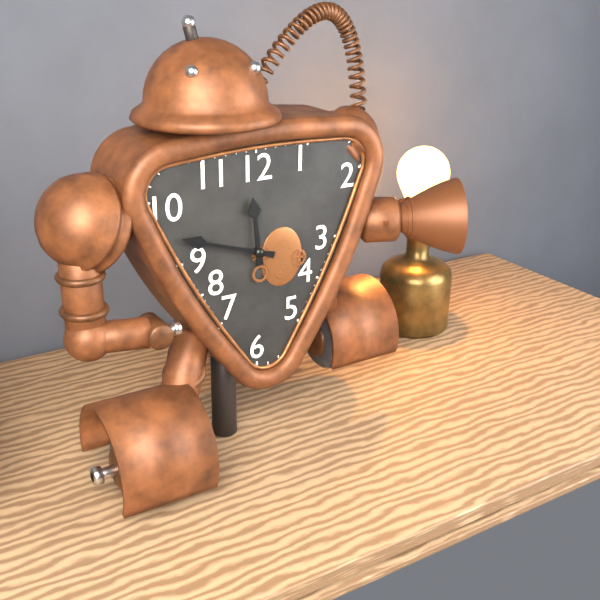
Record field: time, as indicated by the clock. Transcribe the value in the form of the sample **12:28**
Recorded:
**11:48**
